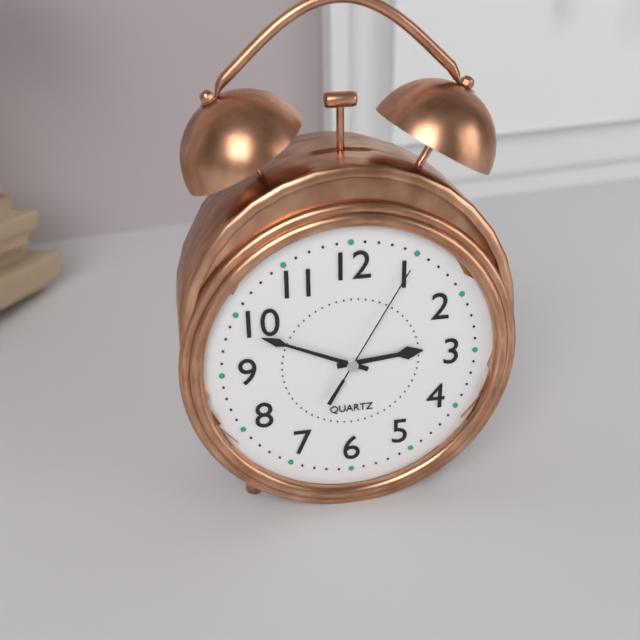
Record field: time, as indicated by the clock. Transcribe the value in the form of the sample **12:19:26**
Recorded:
**2:49:05**
